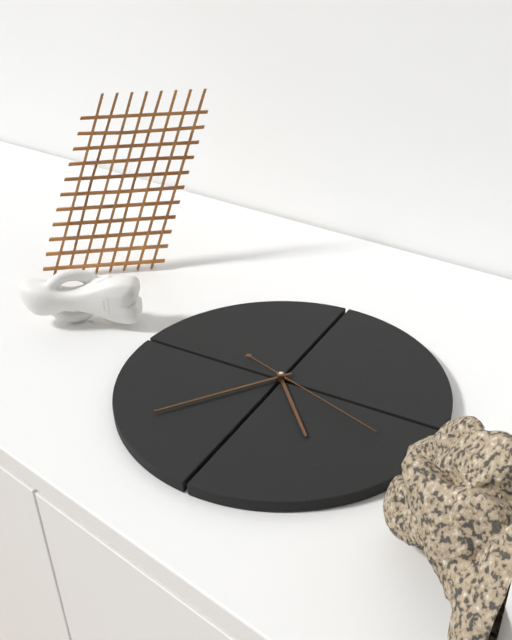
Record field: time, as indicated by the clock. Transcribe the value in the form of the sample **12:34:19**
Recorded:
**4:36:18**
